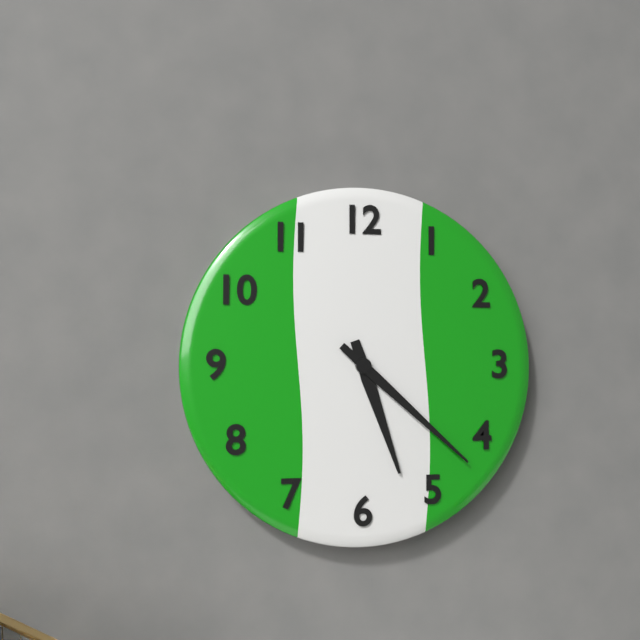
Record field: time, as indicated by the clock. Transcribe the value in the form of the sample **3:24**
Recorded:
**5:22**
